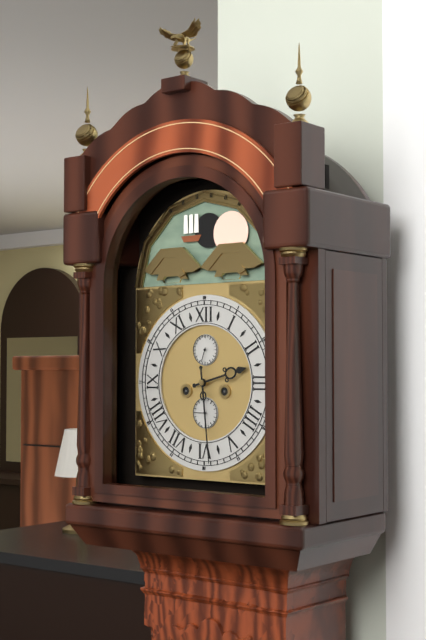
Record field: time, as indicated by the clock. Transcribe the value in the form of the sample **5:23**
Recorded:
**2:29**
